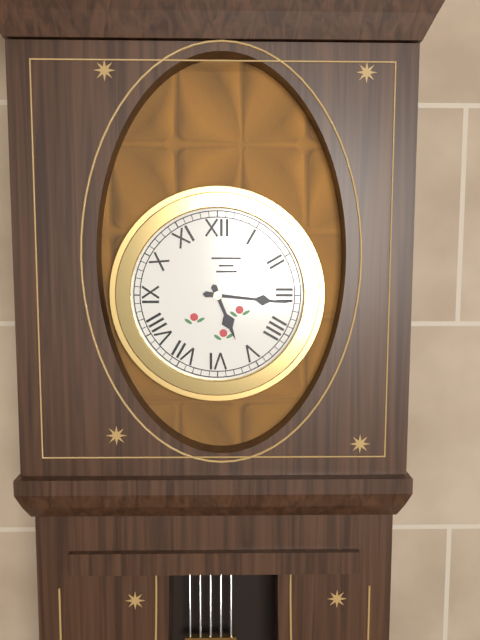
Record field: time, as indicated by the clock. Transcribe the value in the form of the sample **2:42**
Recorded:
**5:16**
